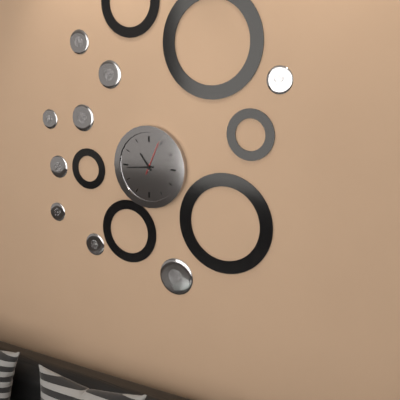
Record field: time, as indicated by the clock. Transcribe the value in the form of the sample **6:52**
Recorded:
**10:44**
